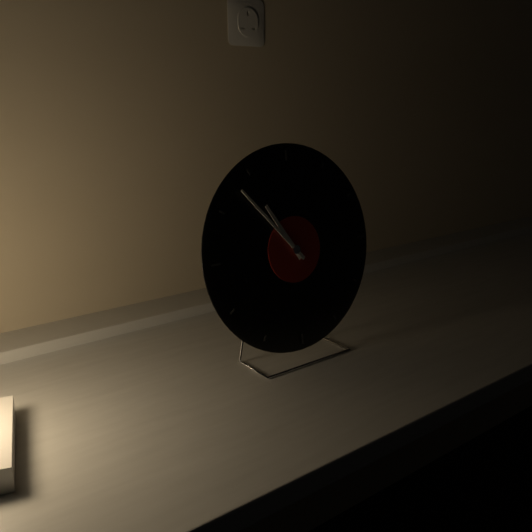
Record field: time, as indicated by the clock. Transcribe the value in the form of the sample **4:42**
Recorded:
**10:53**
